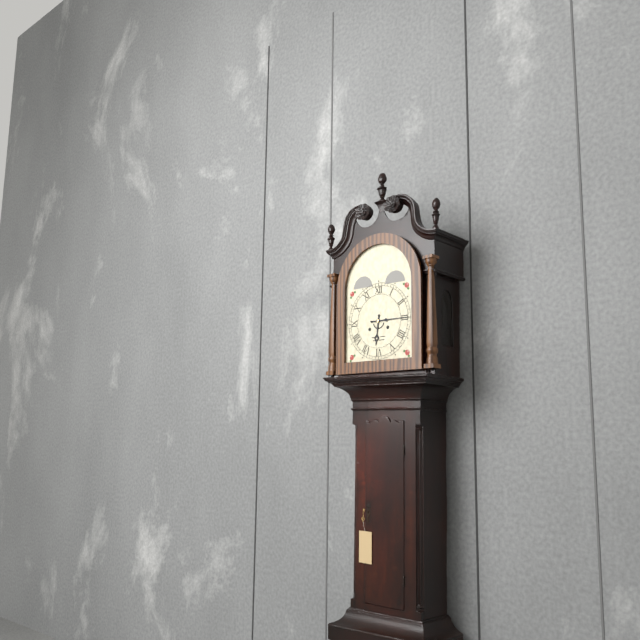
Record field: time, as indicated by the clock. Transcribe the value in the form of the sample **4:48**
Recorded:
**6:15**
